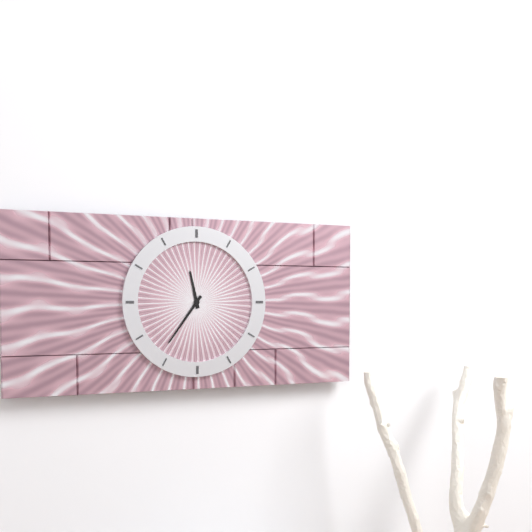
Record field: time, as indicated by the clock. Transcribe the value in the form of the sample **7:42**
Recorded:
**11:36**
